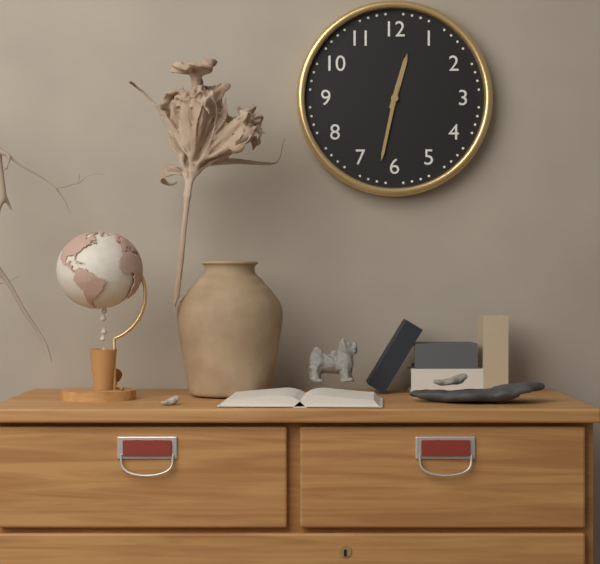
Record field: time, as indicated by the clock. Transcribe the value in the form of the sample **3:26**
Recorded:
**12:32**
